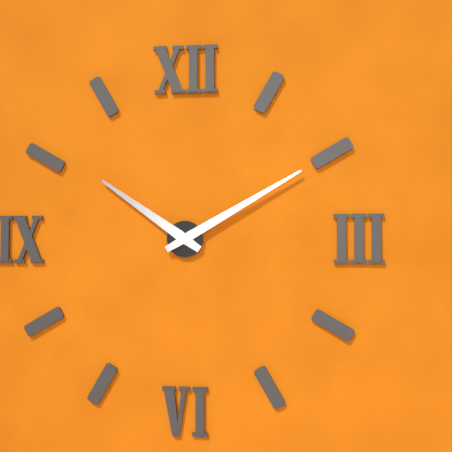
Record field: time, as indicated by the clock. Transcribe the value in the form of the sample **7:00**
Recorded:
**10:10**
